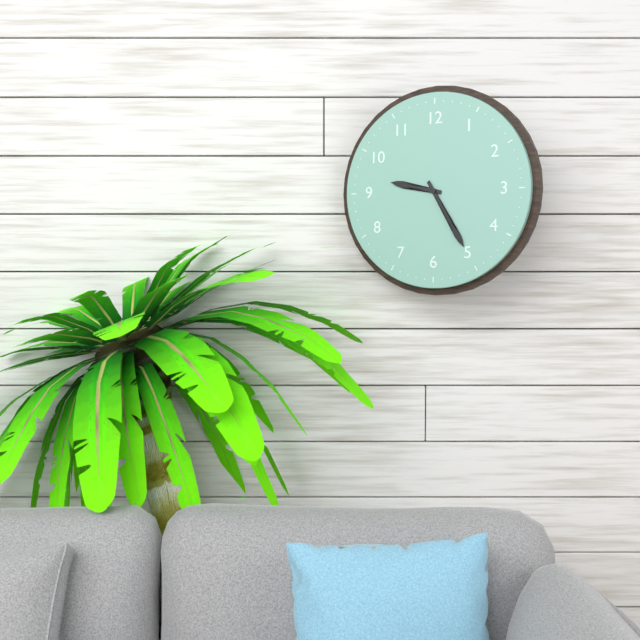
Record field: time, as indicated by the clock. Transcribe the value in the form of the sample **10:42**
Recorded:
**9:25**
